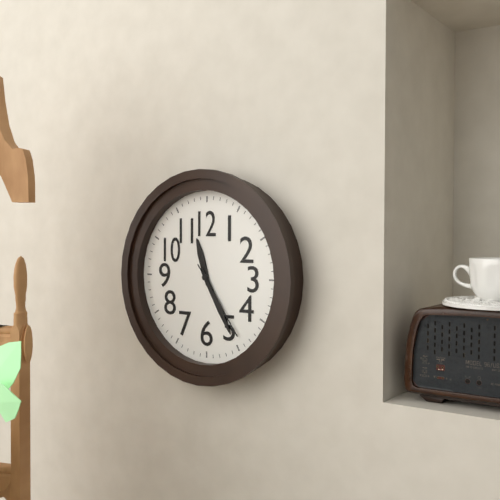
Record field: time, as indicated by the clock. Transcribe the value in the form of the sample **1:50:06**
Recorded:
**11:25:24**
